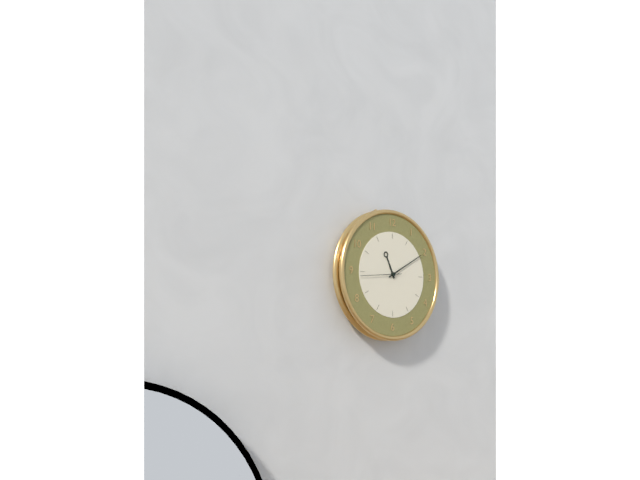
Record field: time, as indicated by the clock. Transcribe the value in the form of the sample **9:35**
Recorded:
**11:10**
